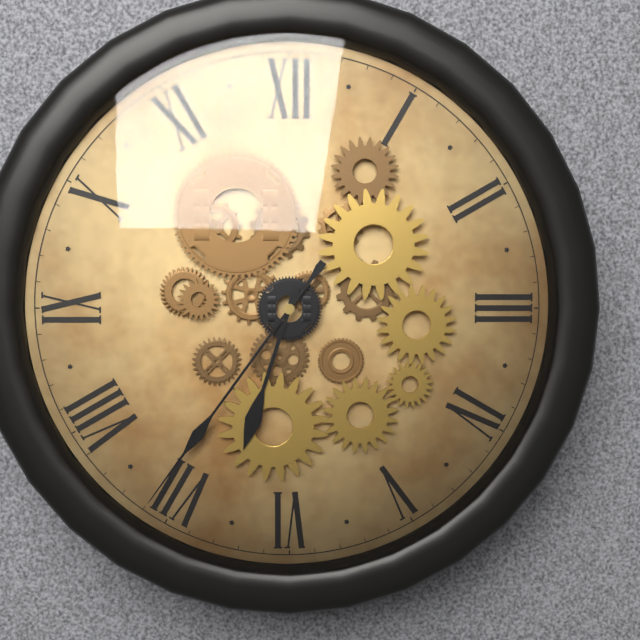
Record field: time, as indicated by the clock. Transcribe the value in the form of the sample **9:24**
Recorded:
**6:36**
